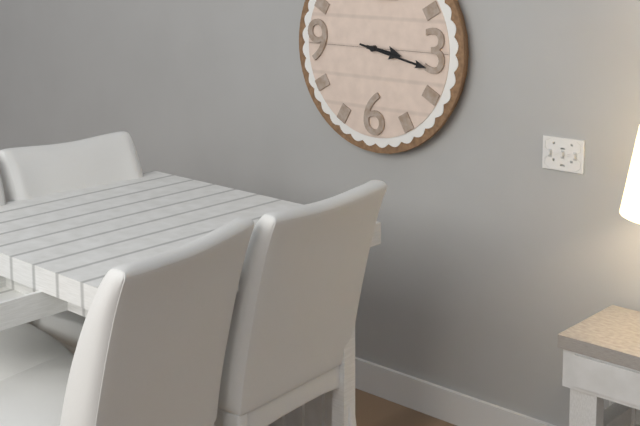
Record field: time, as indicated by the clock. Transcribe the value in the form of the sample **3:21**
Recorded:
**3:17**
